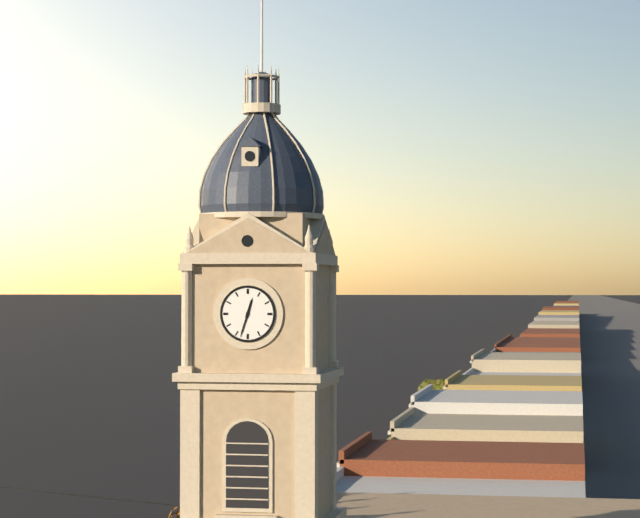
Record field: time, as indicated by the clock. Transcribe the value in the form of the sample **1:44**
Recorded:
**12:33**
